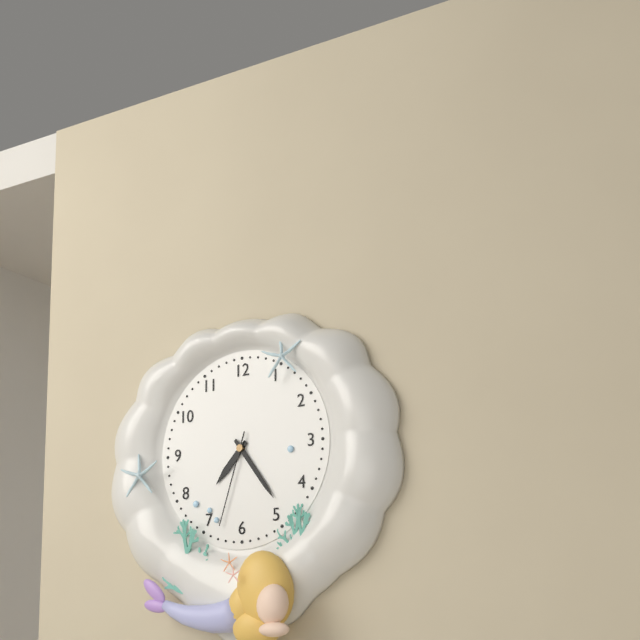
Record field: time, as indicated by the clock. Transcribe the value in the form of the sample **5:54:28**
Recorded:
**7:24:33**
